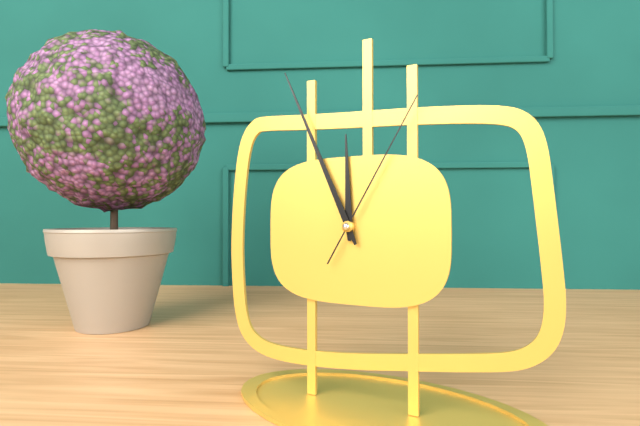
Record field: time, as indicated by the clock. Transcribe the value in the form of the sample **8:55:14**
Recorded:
**11:56:05**
